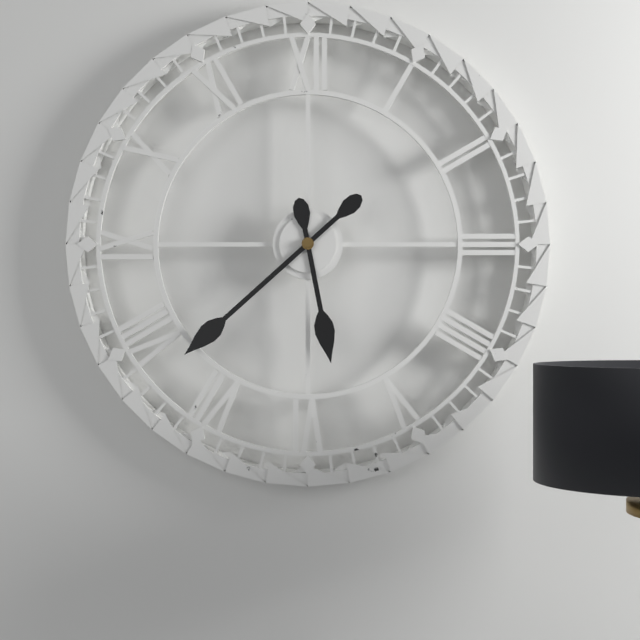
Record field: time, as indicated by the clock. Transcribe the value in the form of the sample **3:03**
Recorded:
**5:38**
